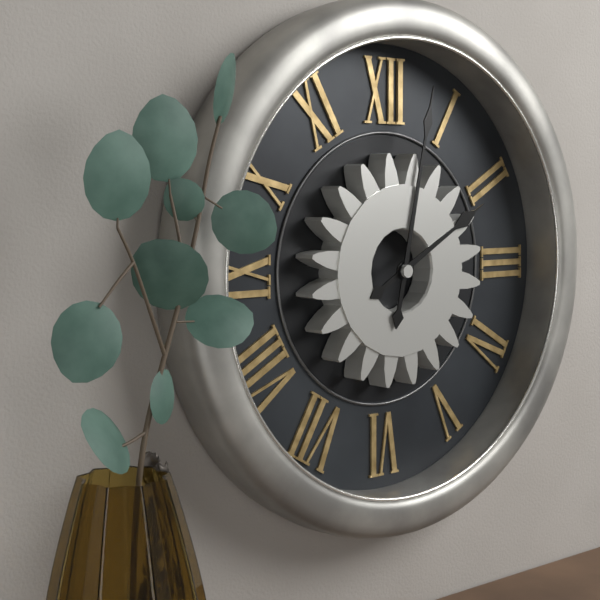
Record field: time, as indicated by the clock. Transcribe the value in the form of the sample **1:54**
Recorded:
**2:02**
